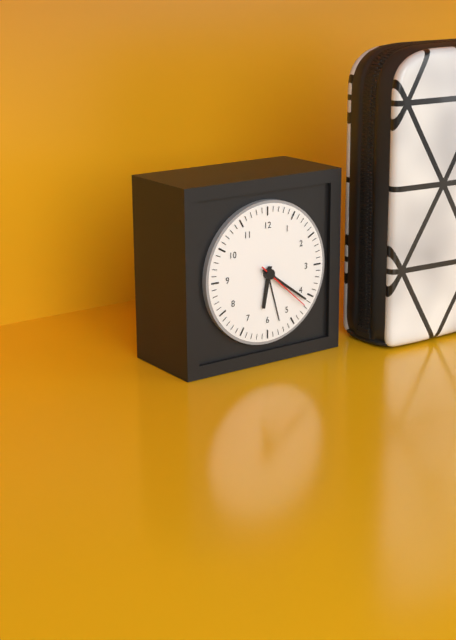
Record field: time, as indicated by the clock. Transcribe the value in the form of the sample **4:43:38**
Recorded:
**6:21:22**
